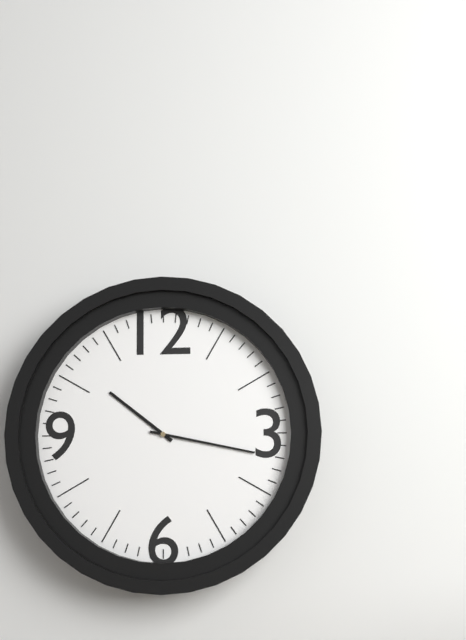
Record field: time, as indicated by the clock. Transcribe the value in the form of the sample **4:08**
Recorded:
**10:17**
